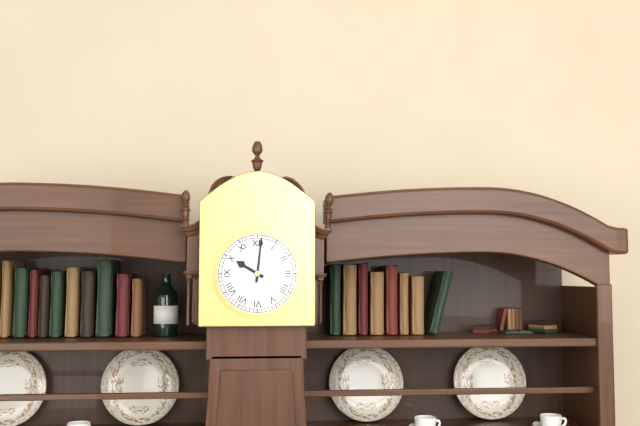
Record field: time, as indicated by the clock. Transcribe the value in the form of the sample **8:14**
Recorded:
**10:01**
